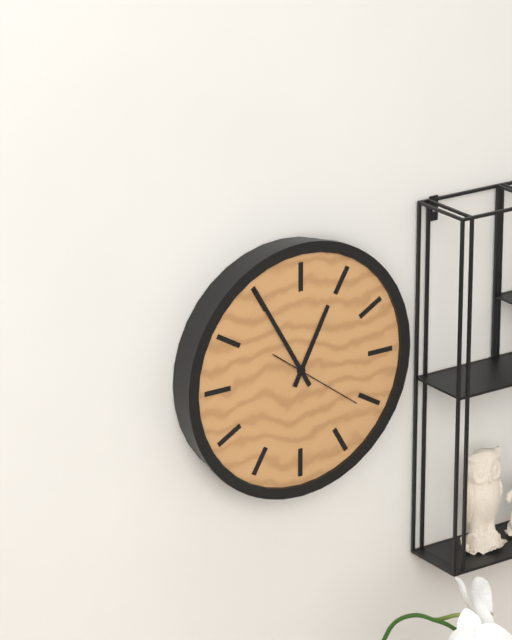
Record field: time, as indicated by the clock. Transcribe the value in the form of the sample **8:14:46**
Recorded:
**12:55:21**
